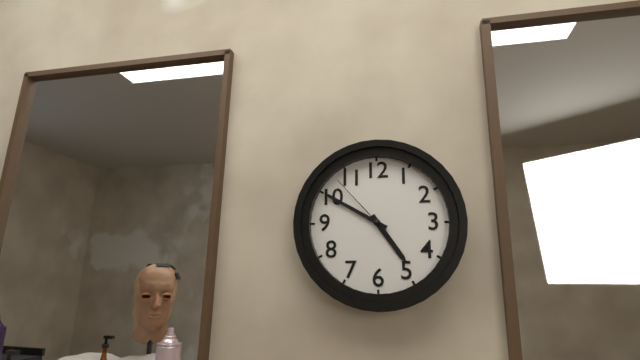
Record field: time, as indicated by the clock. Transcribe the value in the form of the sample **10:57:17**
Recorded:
**4:50:53**
